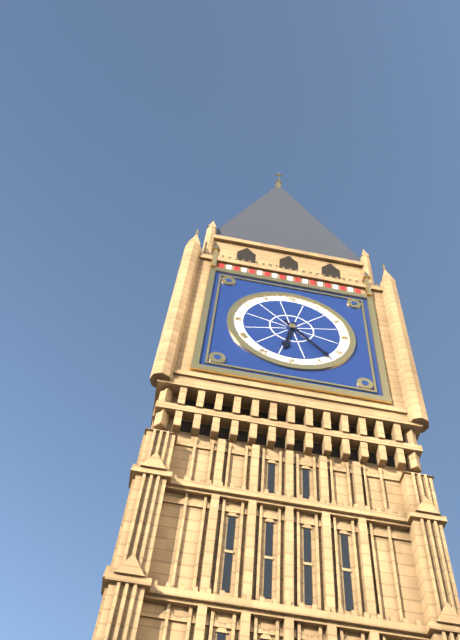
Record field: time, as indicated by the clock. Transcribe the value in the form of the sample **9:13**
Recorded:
**6:23**
